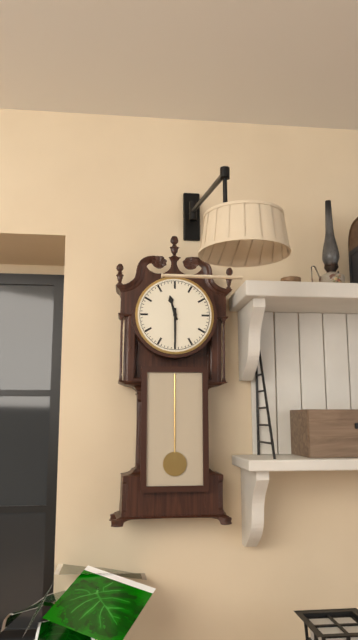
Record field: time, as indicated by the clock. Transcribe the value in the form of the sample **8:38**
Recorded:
**11:30**
